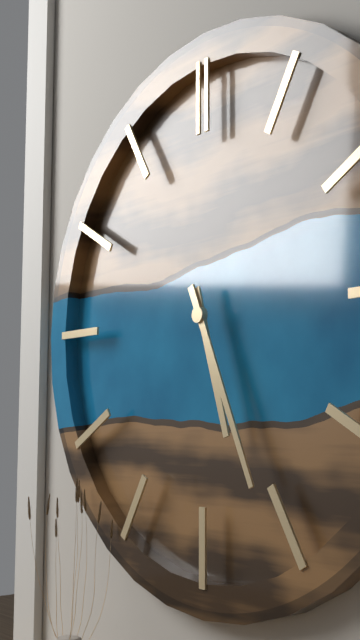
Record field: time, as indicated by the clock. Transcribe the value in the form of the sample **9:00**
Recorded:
**5:26**
